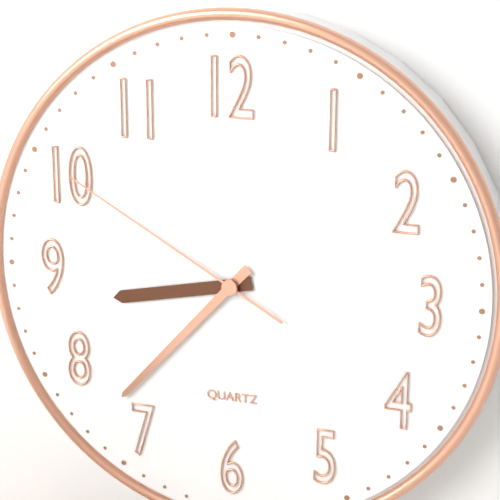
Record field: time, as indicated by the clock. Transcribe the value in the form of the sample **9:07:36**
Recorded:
**8:37:50**
